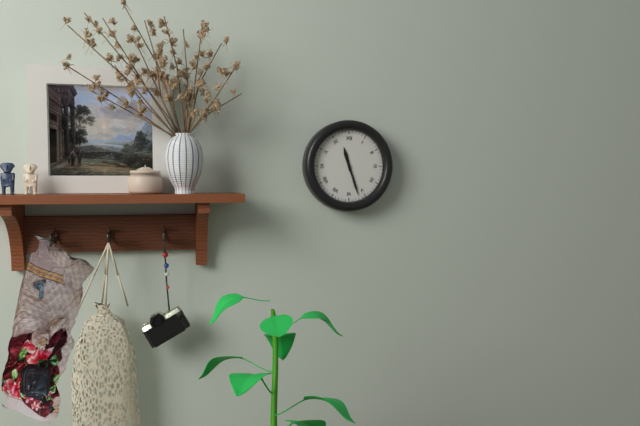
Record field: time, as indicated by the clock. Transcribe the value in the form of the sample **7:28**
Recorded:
**11:27**
